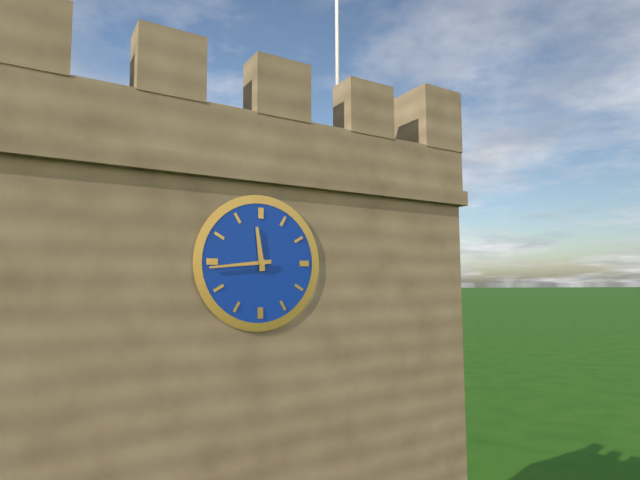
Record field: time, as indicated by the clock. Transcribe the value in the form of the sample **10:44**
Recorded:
**11:44**
